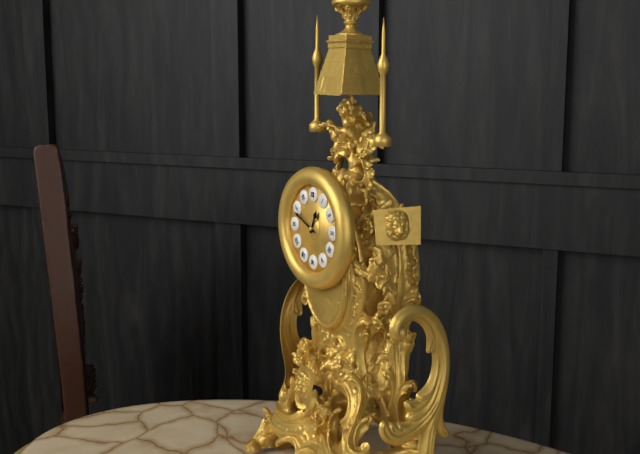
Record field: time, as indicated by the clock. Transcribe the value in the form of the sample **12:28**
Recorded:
**12:49**
